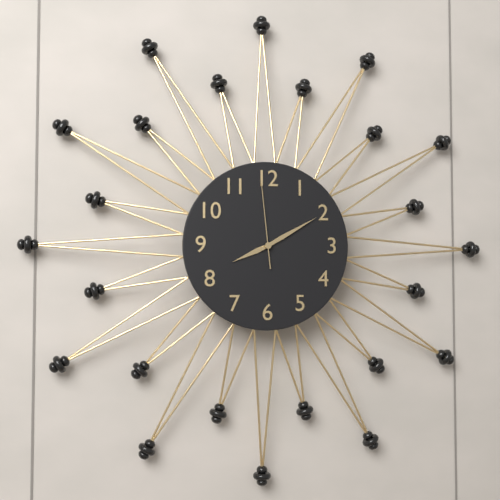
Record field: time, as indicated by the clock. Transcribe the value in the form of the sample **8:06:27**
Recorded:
**8:10:59**
